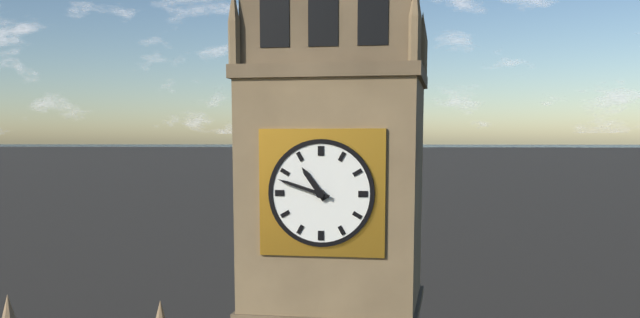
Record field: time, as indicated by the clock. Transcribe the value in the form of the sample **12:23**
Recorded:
**10:48**
